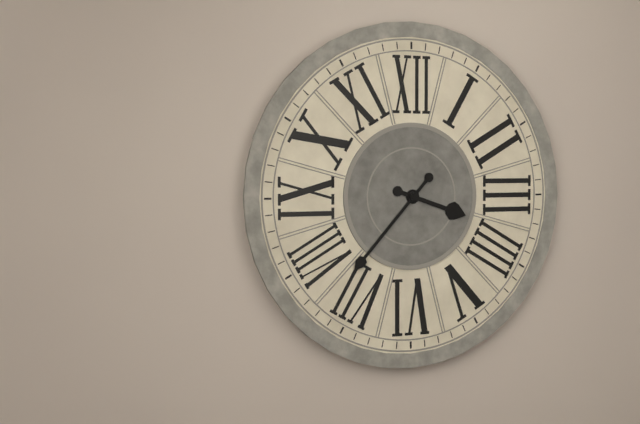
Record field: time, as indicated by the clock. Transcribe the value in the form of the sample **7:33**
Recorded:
**3:37**
